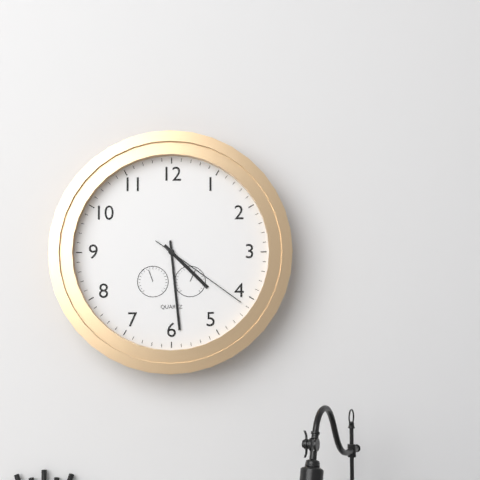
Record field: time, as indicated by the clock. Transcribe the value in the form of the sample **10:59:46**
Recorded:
**4:29:21**
